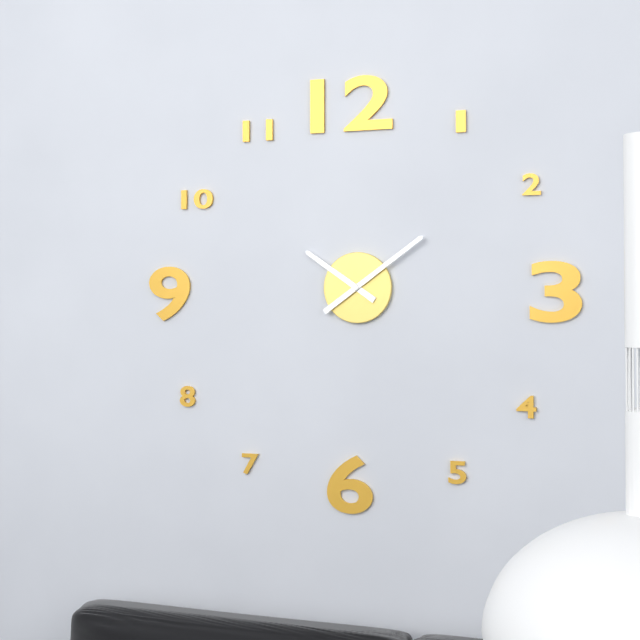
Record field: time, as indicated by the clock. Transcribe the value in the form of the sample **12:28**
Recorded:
**10:09**
